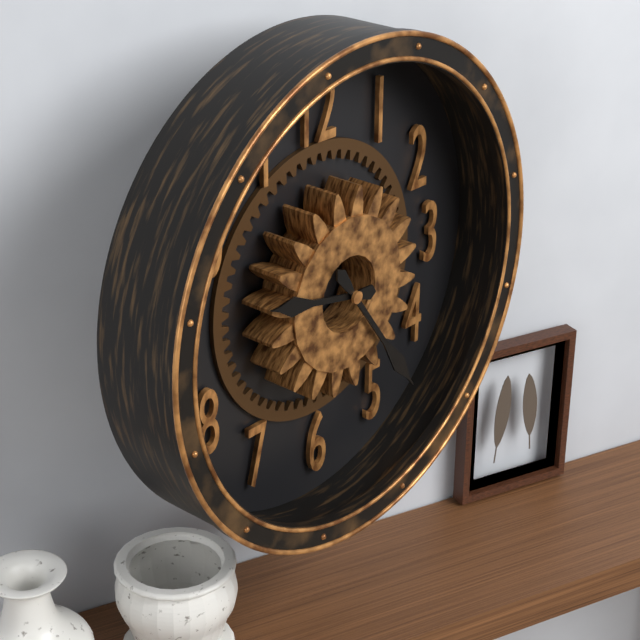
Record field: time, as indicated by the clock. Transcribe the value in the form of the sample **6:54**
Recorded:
**9:24**
